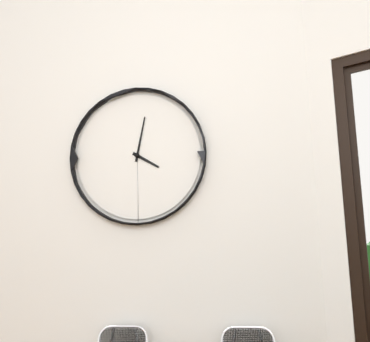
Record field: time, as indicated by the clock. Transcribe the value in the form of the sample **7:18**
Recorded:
**4:02**
